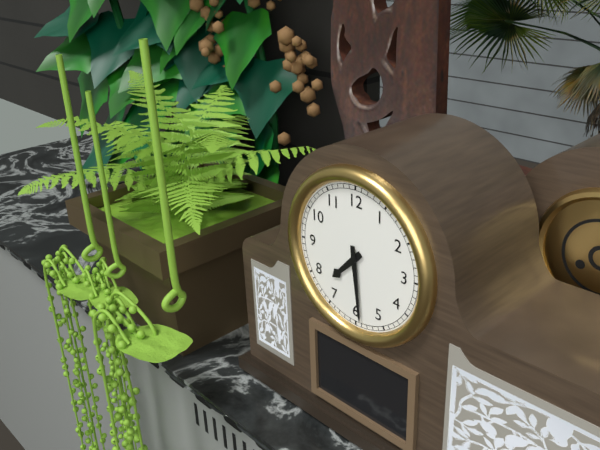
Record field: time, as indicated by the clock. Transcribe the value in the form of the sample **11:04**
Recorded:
**7:29**
